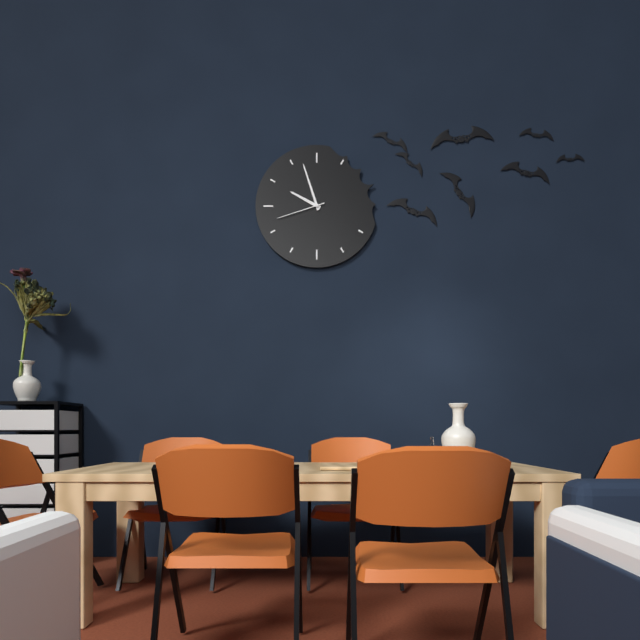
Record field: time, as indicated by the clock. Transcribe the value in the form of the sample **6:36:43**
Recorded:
**9:57:42**
